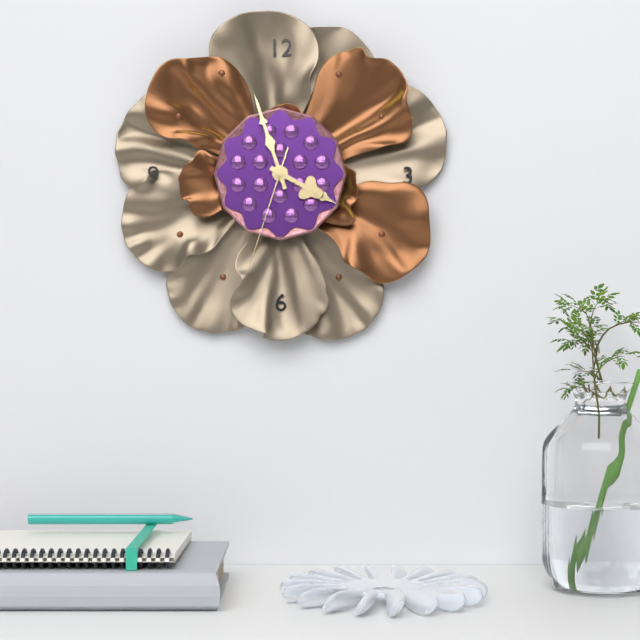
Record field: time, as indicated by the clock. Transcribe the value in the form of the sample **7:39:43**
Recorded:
**3:57:33**
